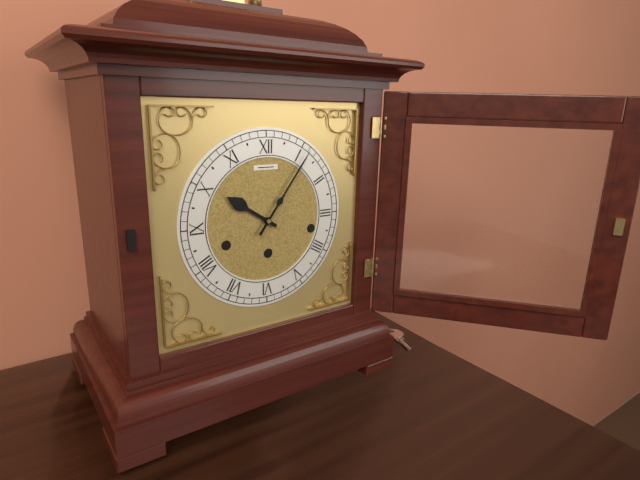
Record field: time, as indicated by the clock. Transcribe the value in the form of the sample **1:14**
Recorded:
**10:06**
